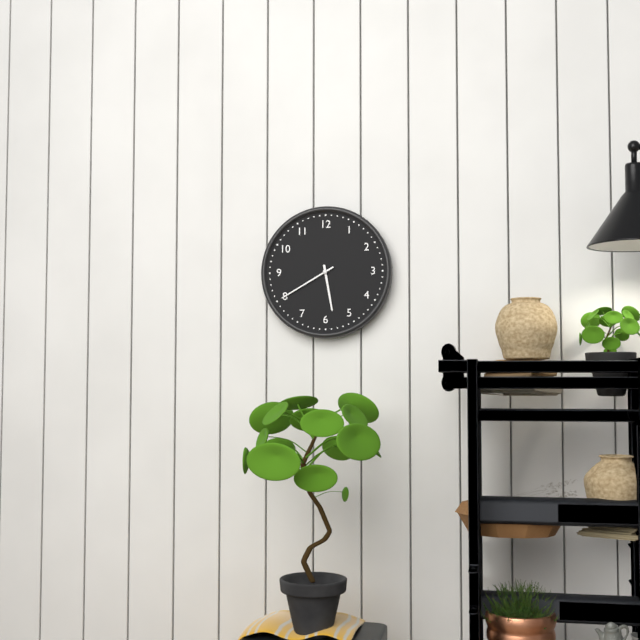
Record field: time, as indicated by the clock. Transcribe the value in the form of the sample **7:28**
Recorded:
**5:40**
